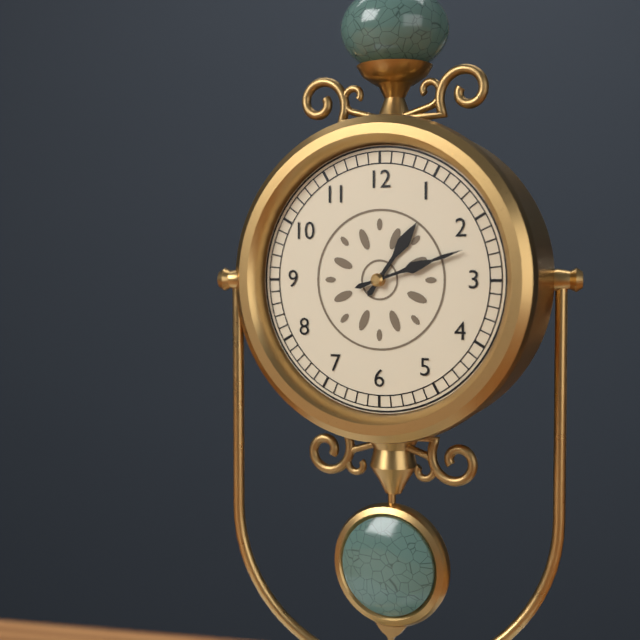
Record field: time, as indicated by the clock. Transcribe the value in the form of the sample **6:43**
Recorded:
**1:12**
